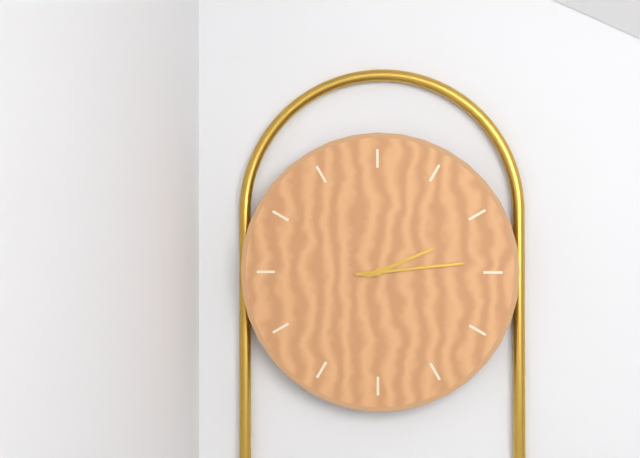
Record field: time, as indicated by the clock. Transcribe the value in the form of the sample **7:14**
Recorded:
**2:14**
